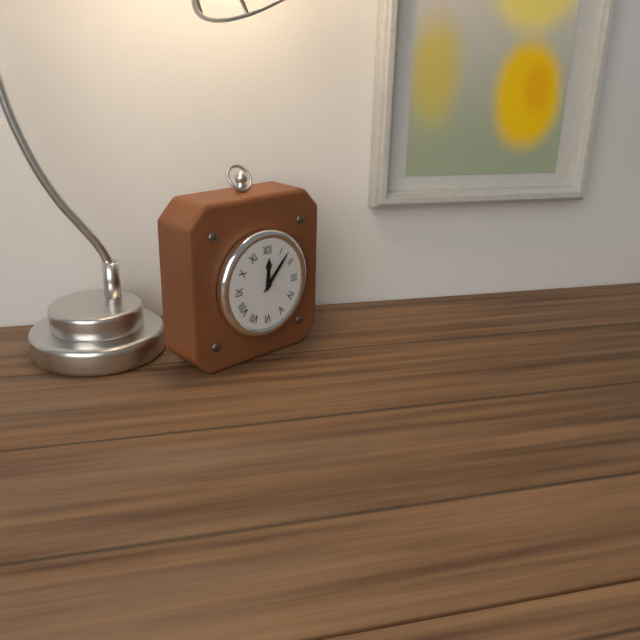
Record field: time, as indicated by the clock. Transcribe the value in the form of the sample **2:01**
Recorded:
**12:07**
